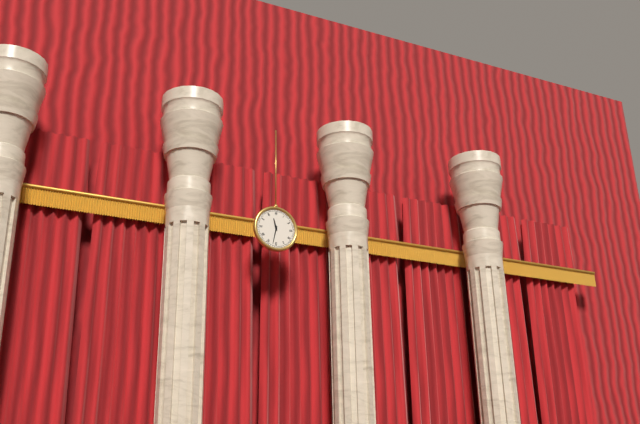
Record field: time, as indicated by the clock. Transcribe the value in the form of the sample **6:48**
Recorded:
**11:32**
